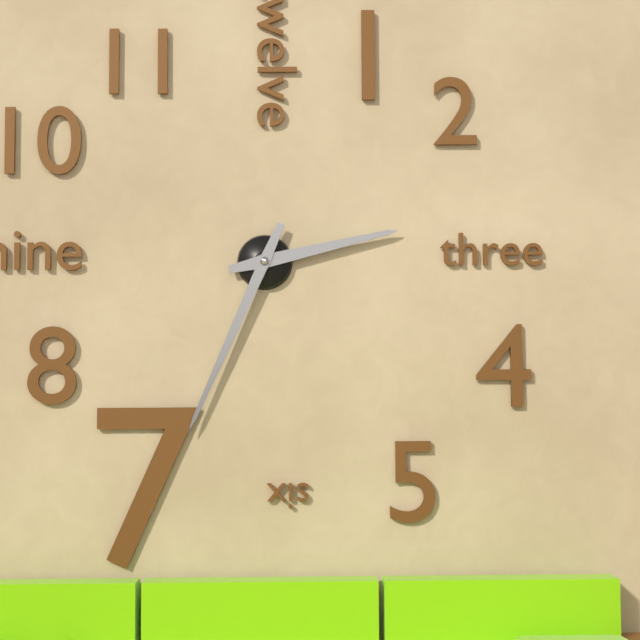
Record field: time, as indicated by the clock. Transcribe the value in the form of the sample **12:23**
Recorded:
**2:34**
